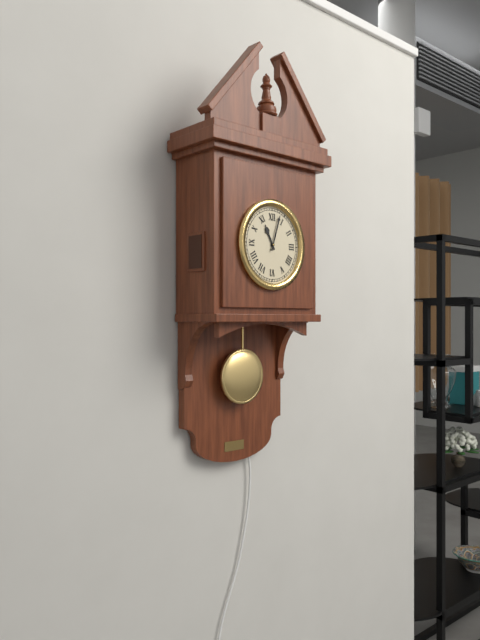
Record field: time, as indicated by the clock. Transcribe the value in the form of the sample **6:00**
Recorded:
**11:03**
